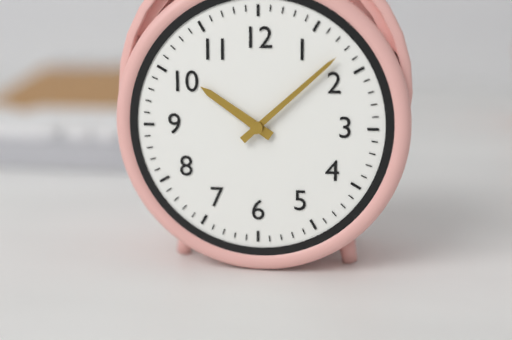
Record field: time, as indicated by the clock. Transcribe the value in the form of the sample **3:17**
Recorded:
**10:08**
